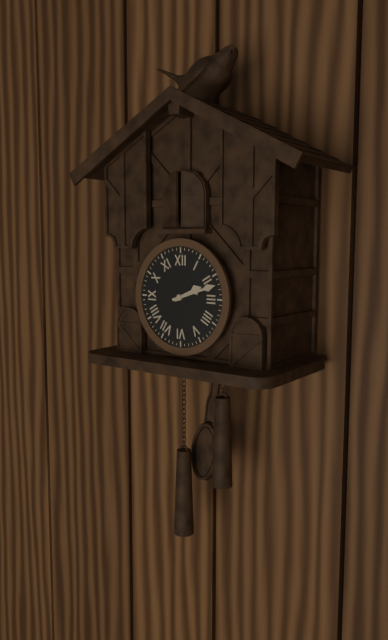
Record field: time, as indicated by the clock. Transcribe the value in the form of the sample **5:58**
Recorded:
**2:12**
